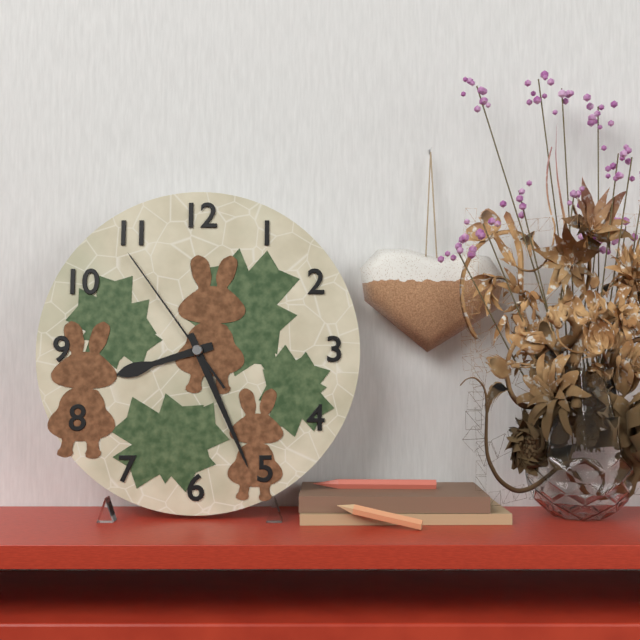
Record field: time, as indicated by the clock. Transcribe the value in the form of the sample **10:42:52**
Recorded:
**8:26:54**
